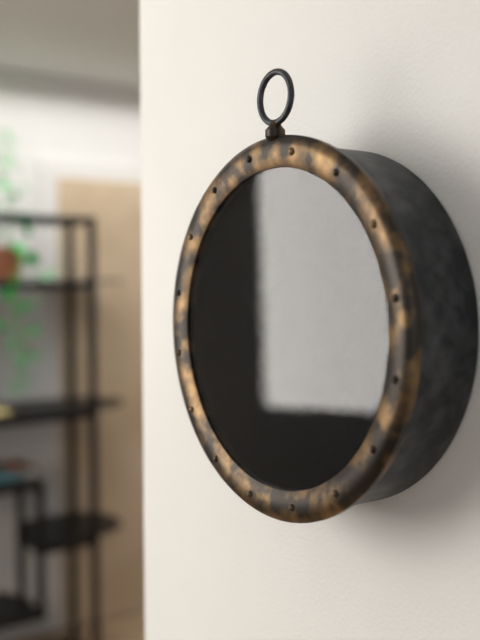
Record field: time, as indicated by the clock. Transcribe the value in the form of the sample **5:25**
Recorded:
**9:39**
